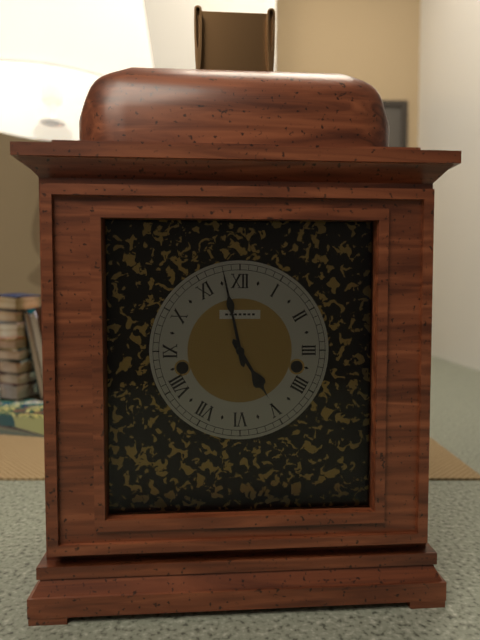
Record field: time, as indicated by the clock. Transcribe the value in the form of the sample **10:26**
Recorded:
**4:58**
